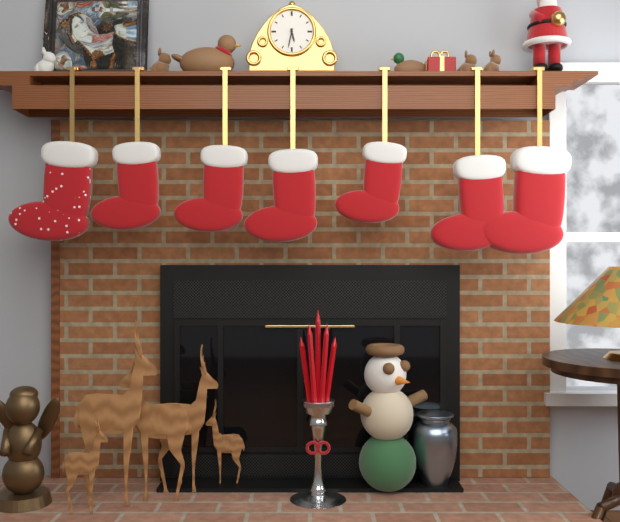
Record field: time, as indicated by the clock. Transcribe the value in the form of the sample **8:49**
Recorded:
**5:32**
